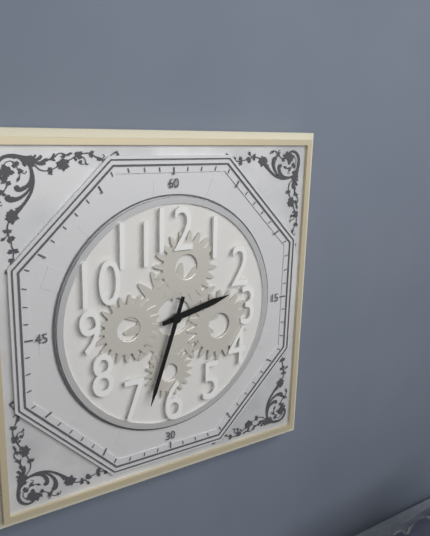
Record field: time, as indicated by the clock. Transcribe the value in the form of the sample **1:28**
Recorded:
**2:33**
